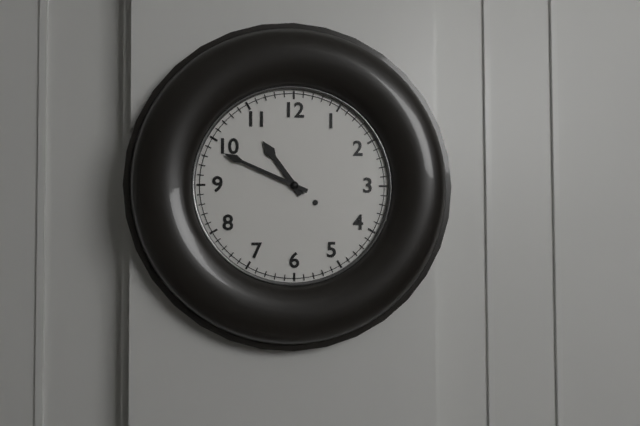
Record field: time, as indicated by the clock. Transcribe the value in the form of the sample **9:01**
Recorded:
**10:49**
